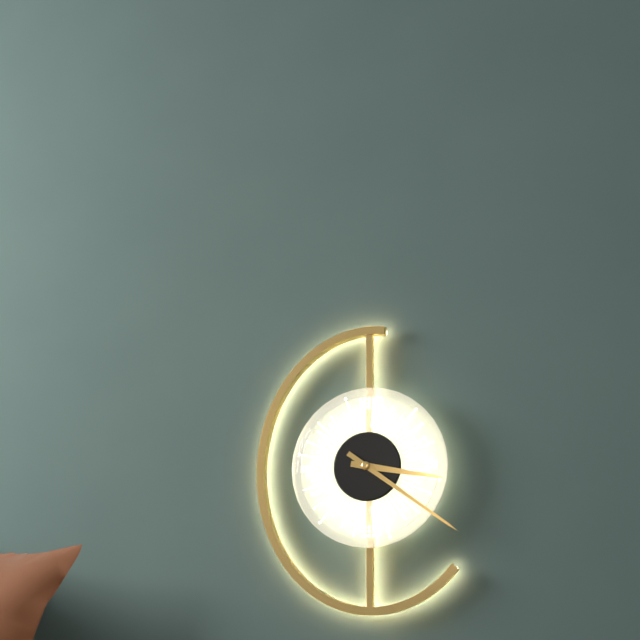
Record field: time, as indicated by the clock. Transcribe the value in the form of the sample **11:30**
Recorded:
**3:21**
